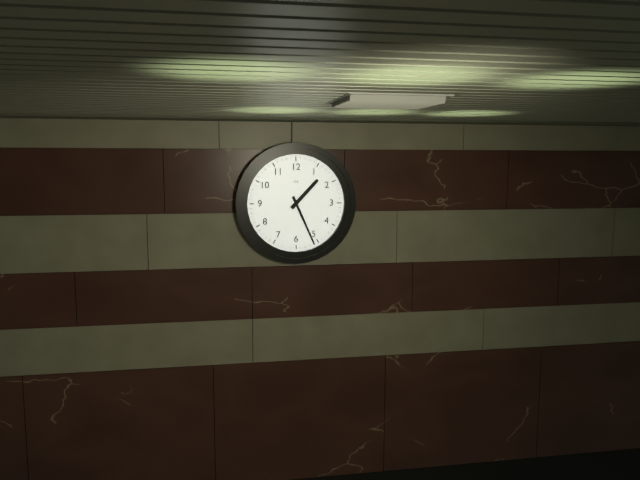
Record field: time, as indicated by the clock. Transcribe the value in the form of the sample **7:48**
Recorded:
**1:26**
